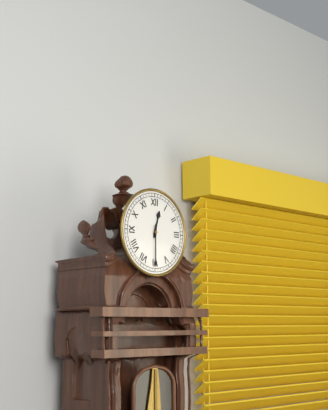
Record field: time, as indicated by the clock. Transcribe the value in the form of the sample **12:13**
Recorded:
**12:30**
